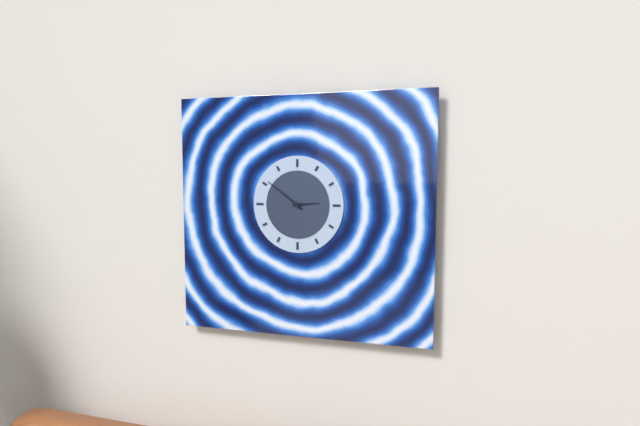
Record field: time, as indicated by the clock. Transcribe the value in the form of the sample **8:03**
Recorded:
**2:51**
